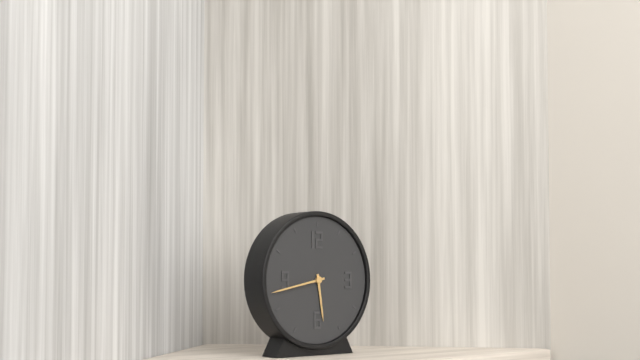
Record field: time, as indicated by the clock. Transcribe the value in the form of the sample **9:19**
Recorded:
**5:43**
